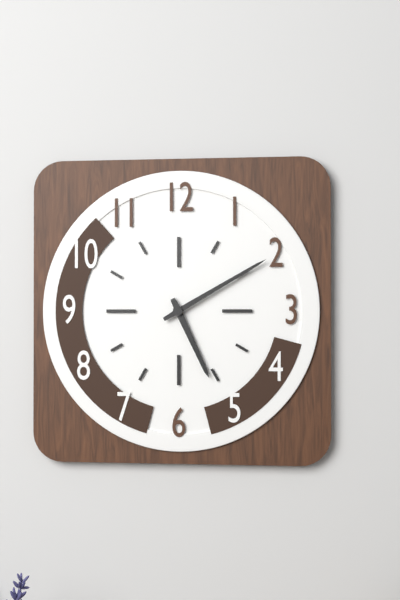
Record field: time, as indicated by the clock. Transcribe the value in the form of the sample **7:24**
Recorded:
**5:10**
